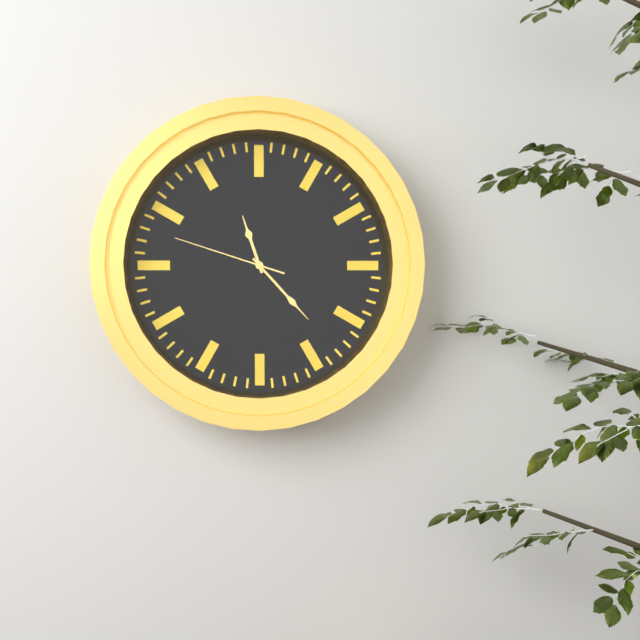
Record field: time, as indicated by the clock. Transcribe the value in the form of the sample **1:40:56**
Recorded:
**11:23:48**
